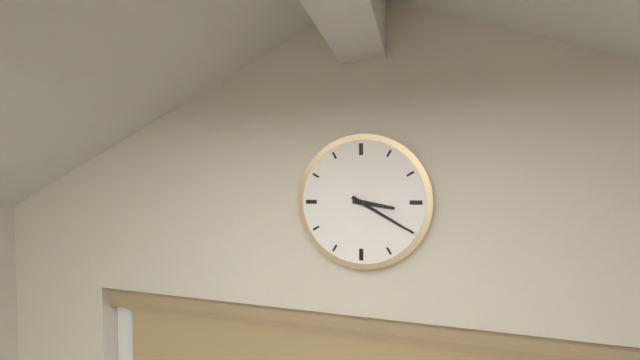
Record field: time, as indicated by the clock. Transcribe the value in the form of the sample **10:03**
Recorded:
**3:20**
